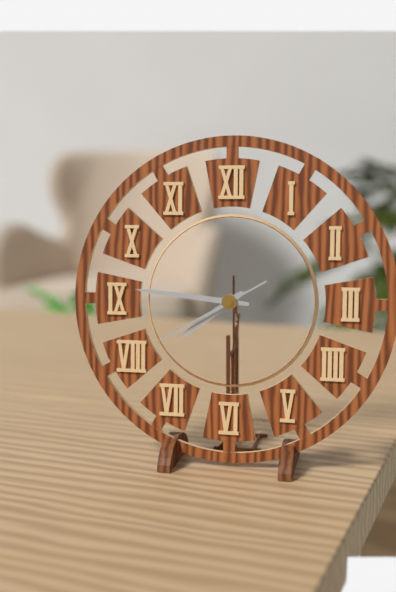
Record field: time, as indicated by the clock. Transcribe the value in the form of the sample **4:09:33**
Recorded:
**7:46:40**
